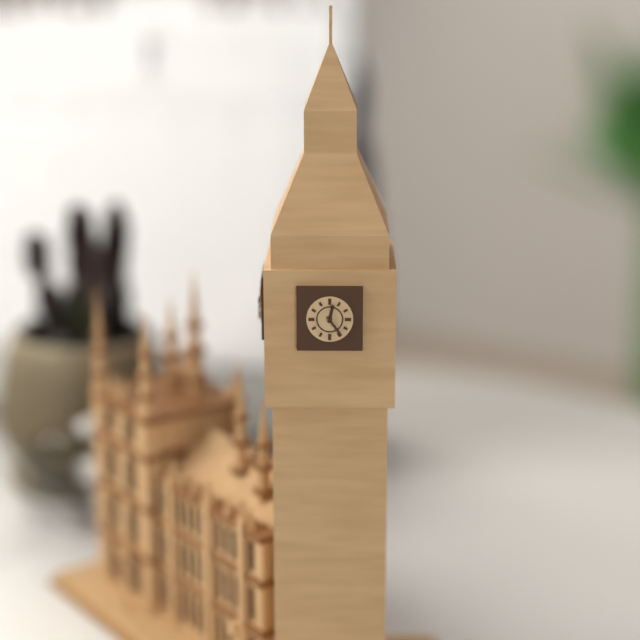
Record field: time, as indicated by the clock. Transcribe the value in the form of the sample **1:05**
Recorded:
**12:24**
